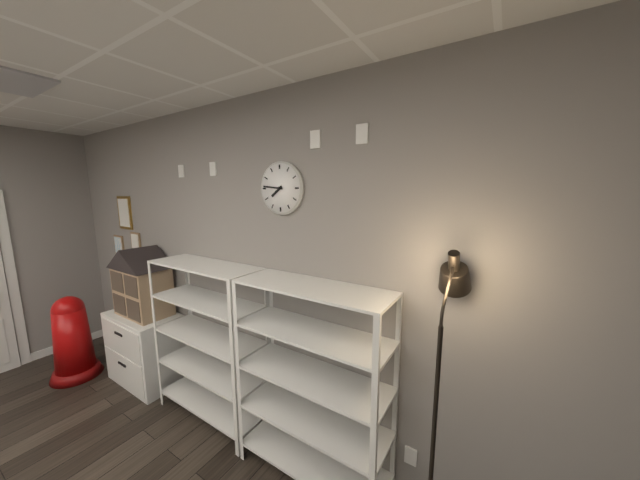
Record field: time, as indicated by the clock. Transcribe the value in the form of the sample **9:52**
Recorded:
**7:46**
